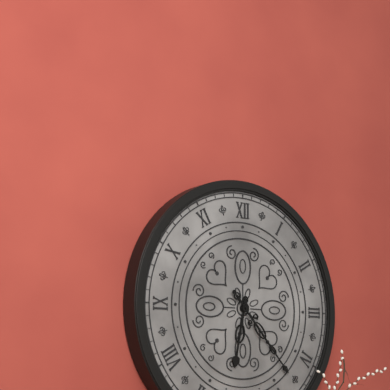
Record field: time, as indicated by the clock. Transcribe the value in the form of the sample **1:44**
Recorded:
**6:23**
